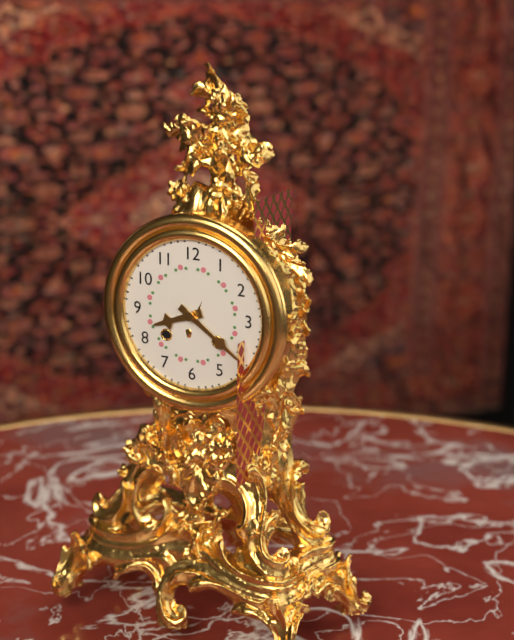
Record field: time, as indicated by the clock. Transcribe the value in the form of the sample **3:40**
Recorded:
**8:21**
